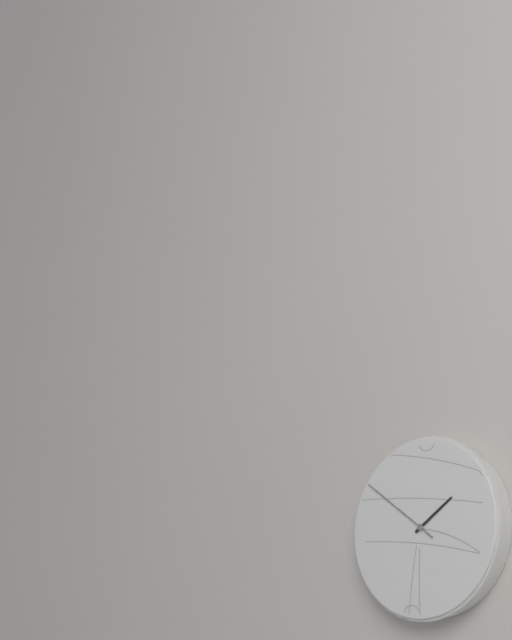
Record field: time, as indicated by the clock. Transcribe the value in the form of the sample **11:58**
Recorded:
**1:51**
